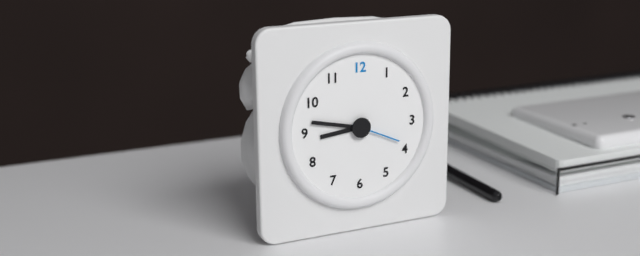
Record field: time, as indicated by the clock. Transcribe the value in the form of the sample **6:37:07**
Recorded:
**8:47:19**
